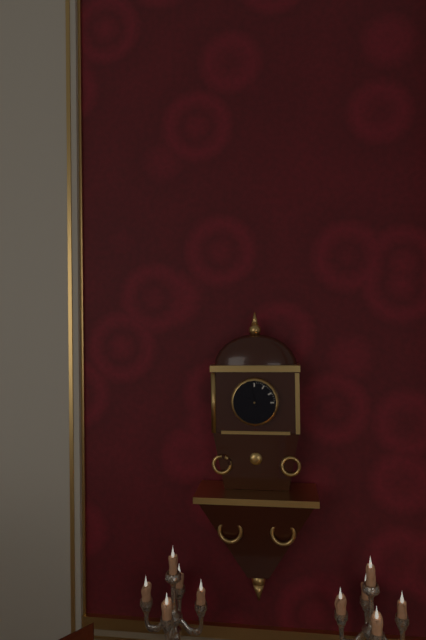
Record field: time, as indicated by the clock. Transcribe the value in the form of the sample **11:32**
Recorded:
**9:58**
